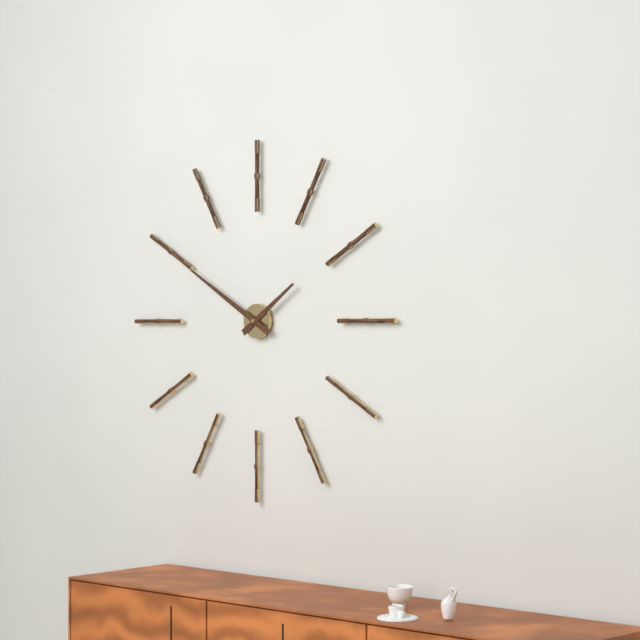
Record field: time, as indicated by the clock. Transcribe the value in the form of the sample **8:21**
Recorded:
**1:50**
